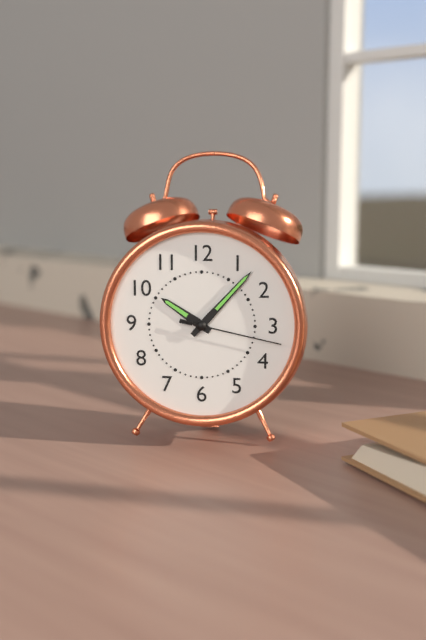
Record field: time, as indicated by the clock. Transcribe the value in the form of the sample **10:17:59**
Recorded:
**10:07:17**
